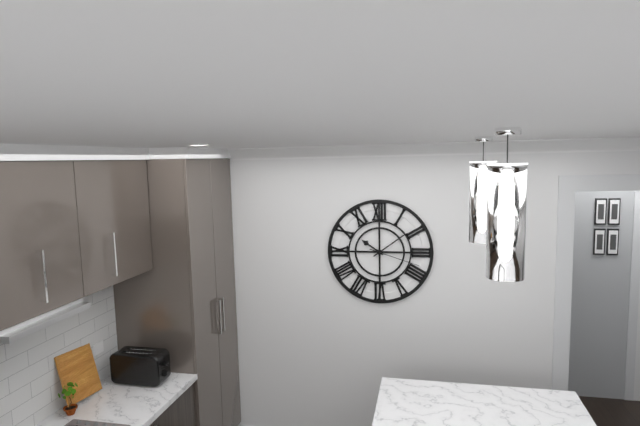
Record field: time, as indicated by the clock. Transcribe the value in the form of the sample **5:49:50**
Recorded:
**10:09:18**
